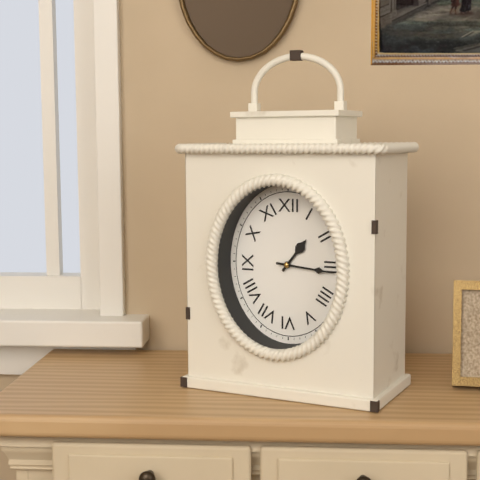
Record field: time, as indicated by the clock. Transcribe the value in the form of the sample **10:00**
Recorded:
**1:16**
